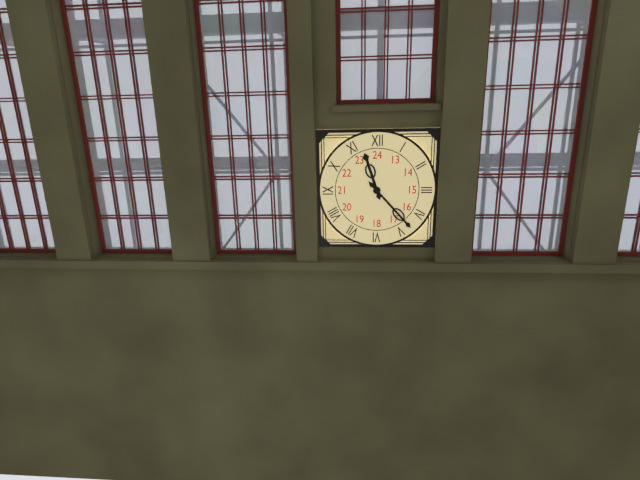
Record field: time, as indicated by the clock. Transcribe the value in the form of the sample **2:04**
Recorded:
**11:23**
